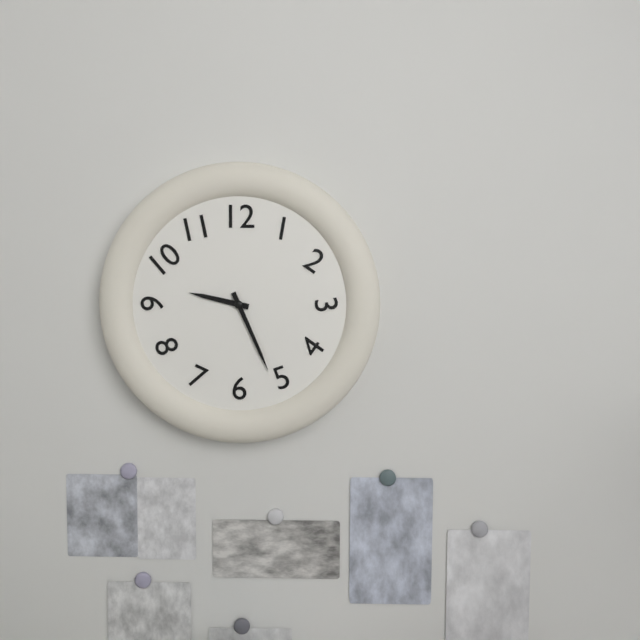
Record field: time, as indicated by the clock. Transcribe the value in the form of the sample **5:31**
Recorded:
**9:26**
